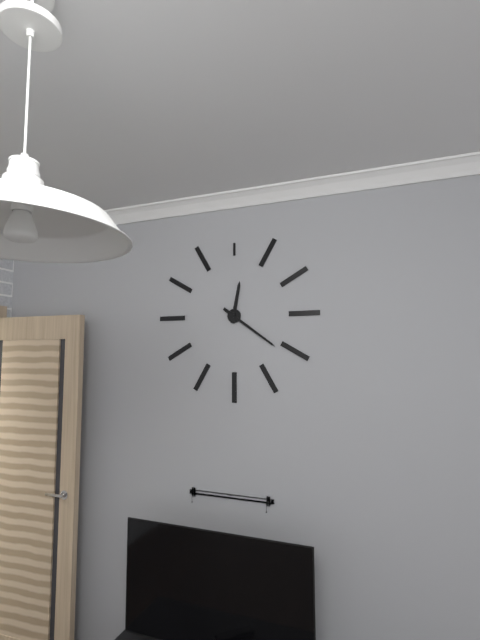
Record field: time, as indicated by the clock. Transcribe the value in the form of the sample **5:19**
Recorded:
**12:21**
